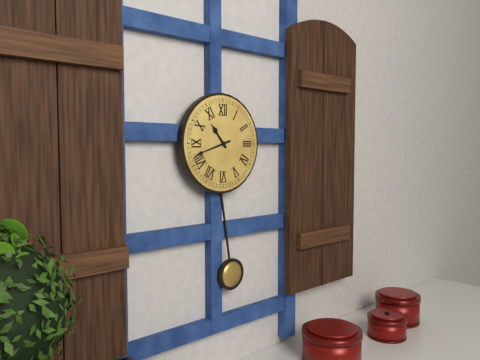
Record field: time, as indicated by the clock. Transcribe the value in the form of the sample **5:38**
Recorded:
**10:42**
